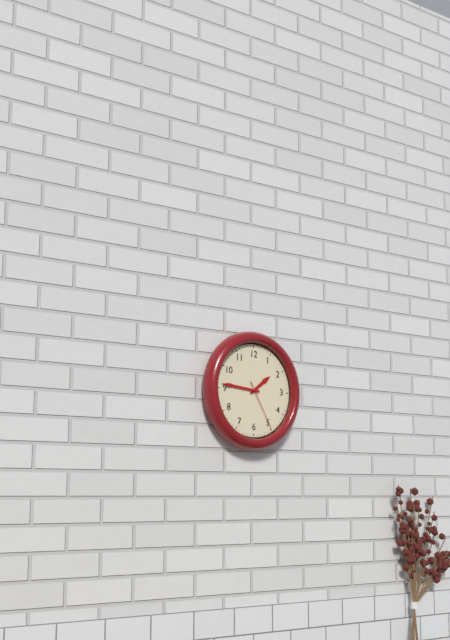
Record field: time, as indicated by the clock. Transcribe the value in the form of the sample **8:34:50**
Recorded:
**1:46:25**
